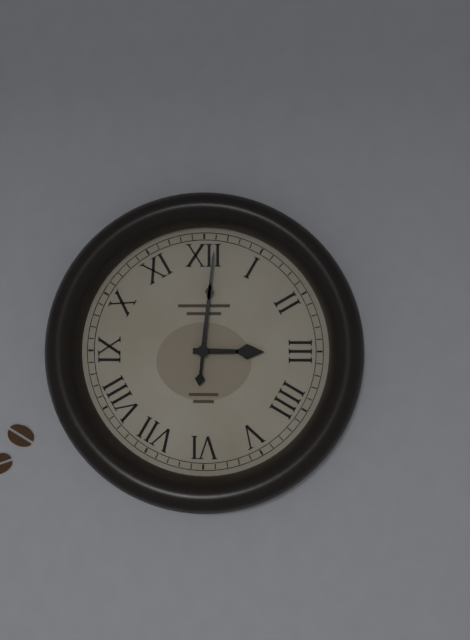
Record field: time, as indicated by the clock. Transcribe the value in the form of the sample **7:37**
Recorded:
**3:01**
